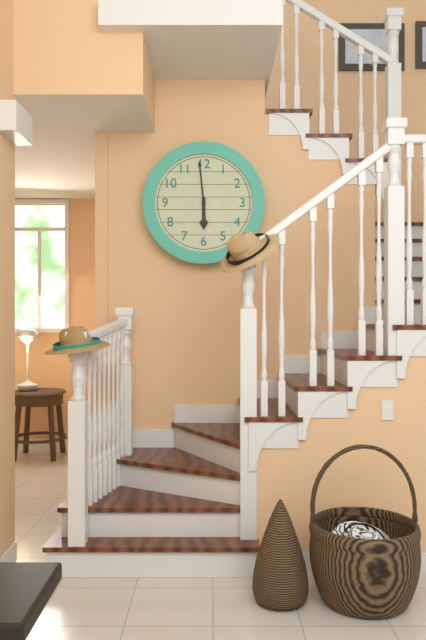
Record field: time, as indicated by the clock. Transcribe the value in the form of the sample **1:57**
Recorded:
**5:59**
